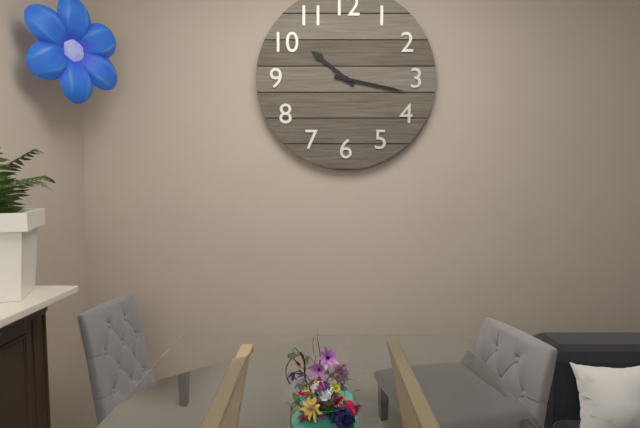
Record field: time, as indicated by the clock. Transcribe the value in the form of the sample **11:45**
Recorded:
**10:17**
